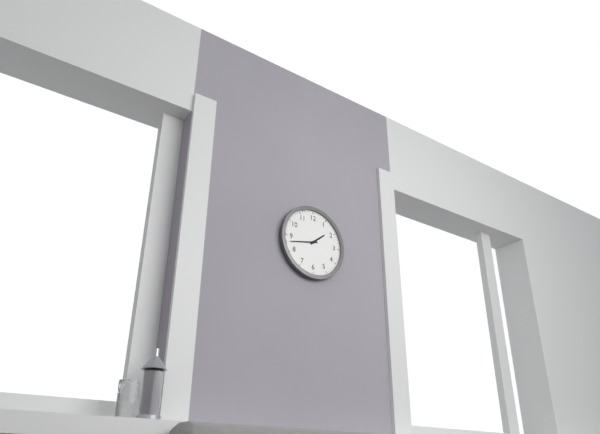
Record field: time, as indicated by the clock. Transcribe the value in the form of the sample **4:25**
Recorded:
**1:43**
